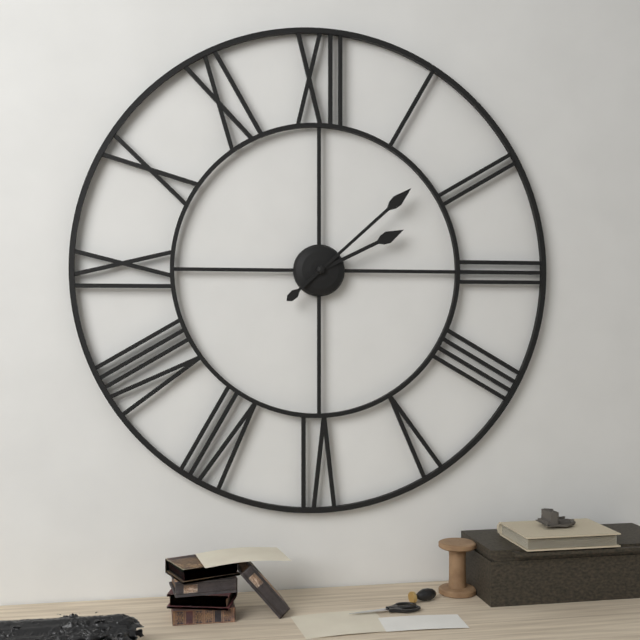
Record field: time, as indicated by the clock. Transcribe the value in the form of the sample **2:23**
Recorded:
**2:08**
